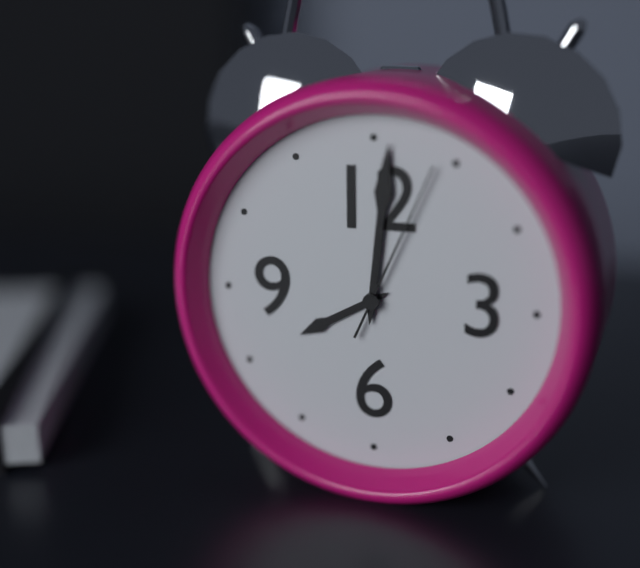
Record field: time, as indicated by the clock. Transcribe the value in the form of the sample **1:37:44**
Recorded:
**8:01:04**
